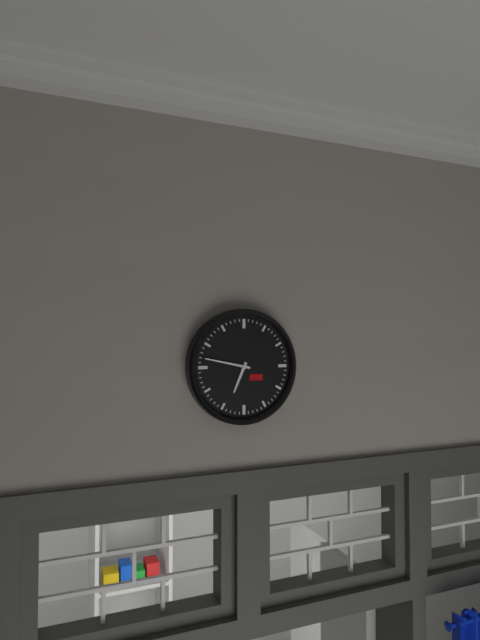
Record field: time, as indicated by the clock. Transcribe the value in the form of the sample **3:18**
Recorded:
**6:47**
